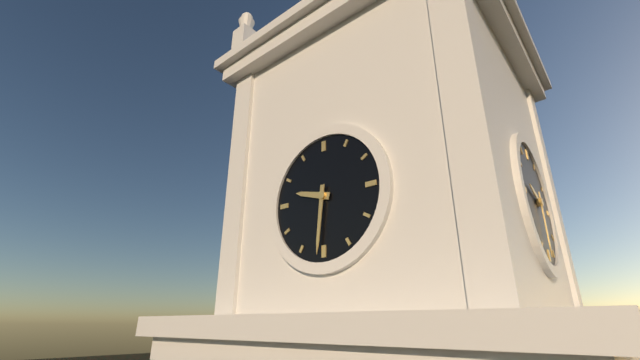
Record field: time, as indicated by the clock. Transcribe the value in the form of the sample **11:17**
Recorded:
**9:31**
